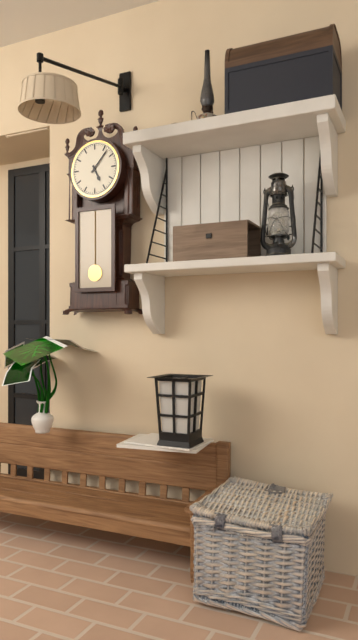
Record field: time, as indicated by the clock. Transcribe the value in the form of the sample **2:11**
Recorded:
**5:07**
